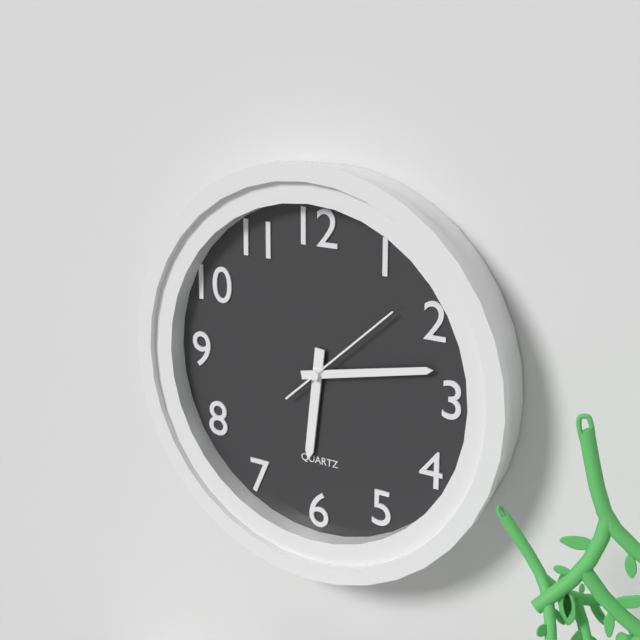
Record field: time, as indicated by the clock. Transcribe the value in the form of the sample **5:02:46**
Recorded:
**6:13:08**
